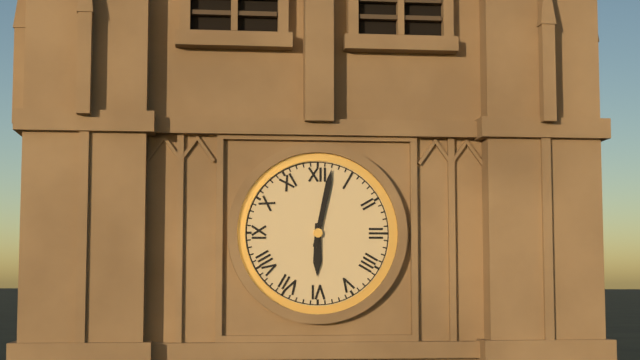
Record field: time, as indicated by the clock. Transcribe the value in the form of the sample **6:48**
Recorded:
**6:02**
